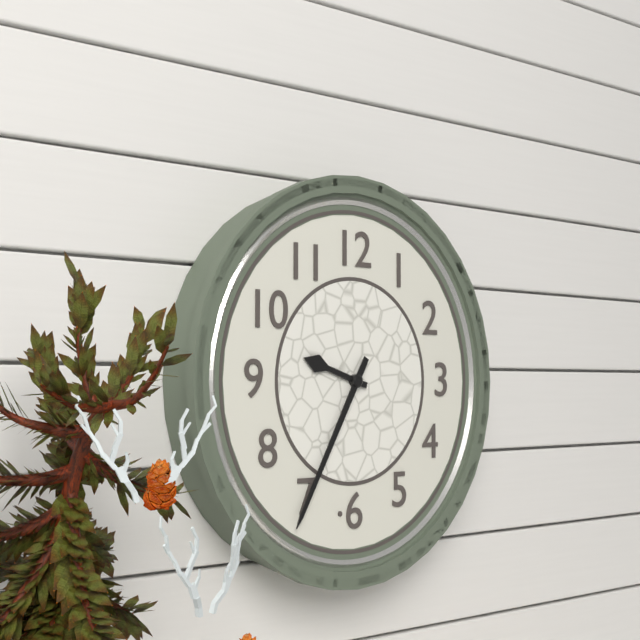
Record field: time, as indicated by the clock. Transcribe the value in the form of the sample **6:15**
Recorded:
**9:35**
